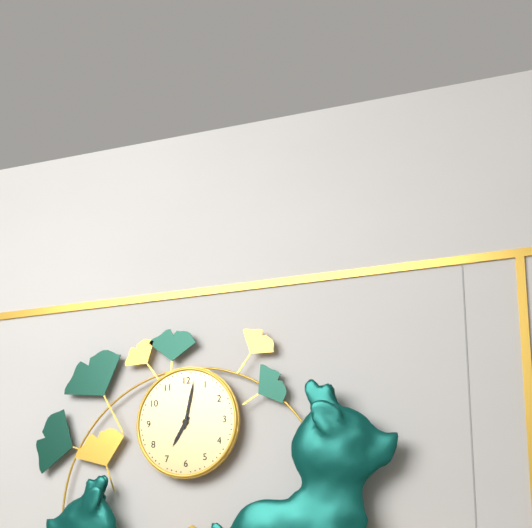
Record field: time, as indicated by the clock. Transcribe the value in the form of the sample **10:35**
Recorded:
**7:02**
